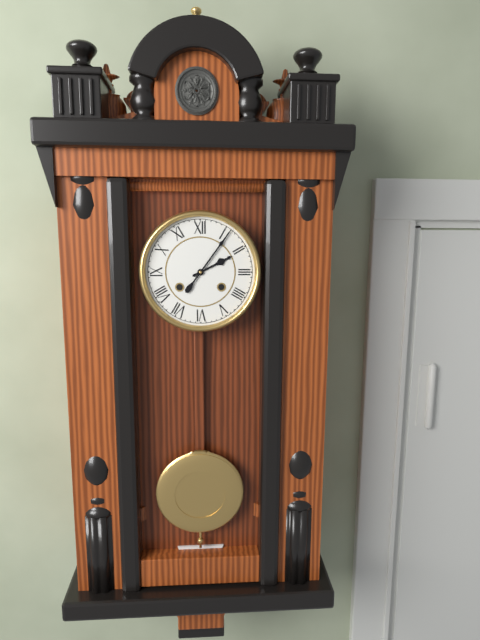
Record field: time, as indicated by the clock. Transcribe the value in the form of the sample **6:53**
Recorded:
**2:06**
